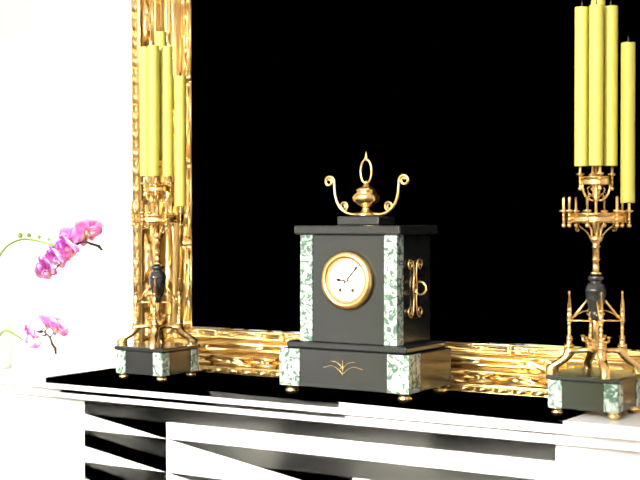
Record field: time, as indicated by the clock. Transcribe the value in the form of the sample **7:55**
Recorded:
**9:07**
